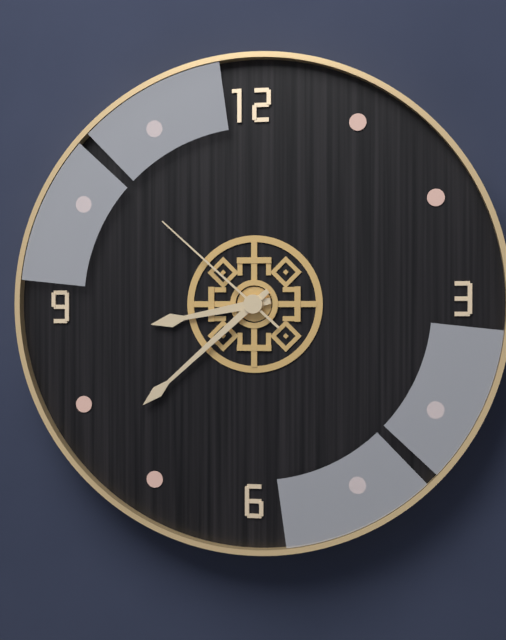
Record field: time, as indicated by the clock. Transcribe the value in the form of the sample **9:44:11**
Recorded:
**8:38:52**
